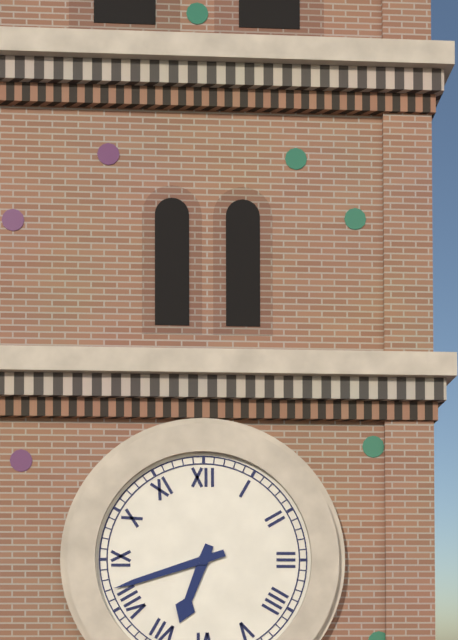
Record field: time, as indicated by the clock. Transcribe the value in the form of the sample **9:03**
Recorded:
**6:42**
